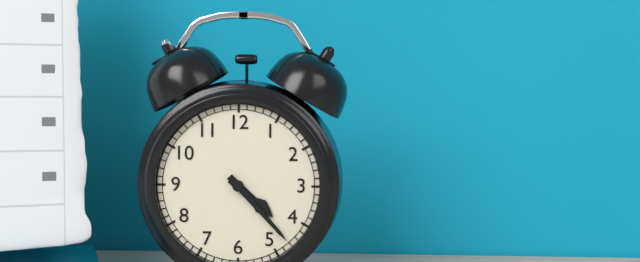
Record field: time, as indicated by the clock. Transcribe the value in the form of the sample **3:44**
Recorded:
**4:23**
